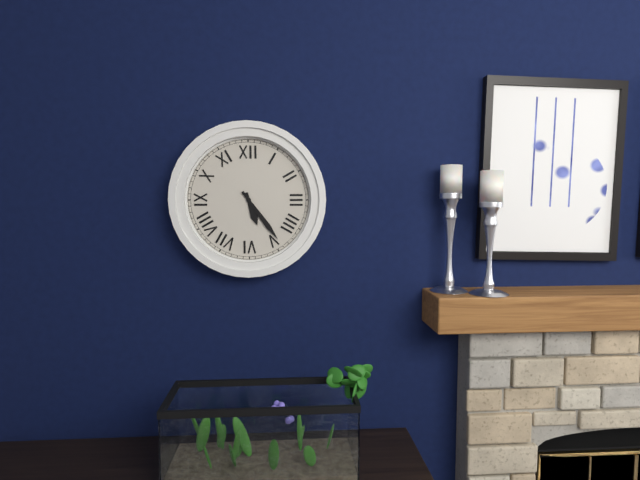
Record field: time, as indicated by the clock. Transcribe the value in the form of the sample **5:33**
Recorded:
**5:24**
